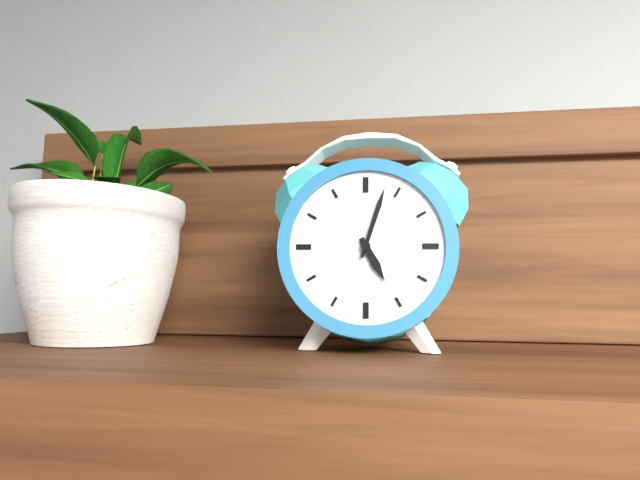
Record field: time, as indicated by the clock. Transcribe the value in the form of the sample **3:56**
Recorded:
**5:03**
